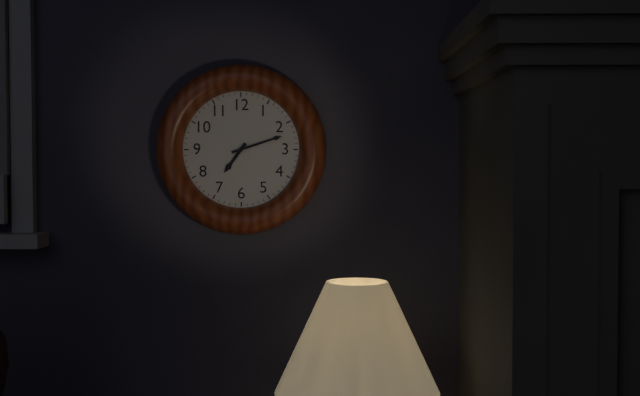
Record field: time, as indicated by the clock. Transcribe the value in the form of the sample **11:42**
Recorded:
**7:12**
